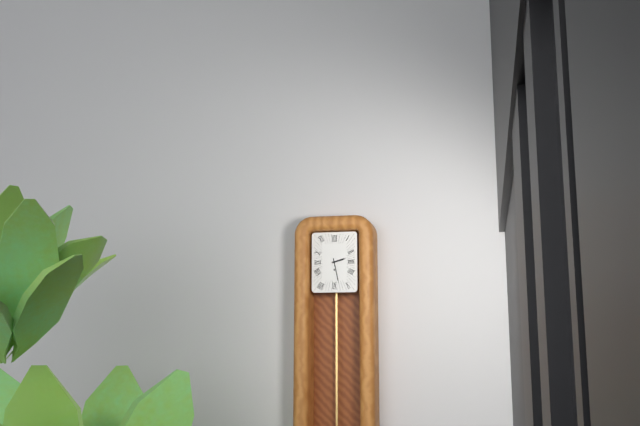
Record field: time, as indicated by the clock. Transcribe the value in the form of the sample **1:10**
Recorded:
**2:28**
